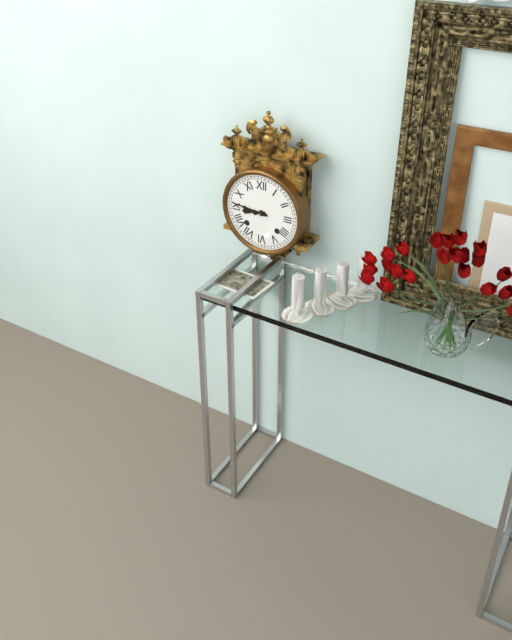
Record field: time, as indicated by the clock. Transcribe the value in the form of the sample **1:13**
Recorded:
**8:46**
